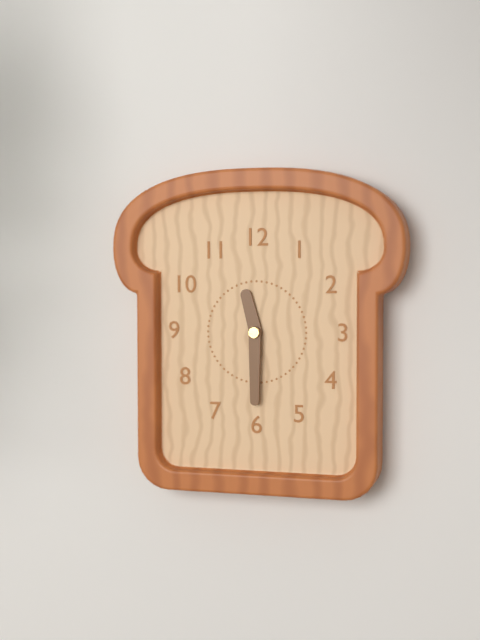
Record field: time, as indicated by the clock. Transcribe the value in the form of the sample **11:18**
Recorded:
**11:30**
